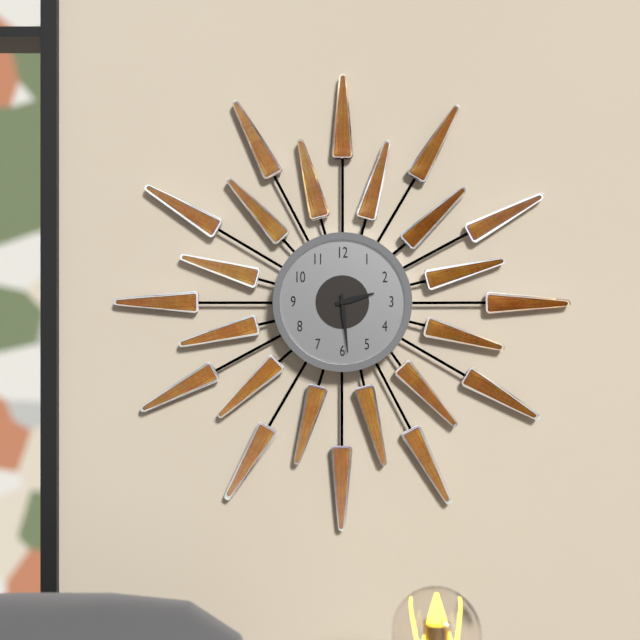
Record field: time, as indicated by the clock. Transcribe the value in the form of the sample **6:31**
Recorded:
**2:29**
